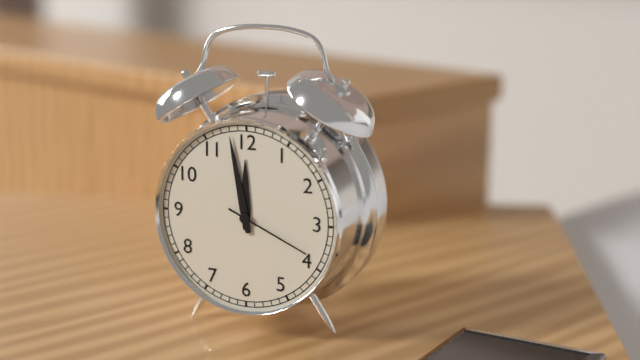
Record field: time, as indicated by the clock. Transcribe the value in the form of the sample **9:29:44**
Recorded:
**11:58:19**
